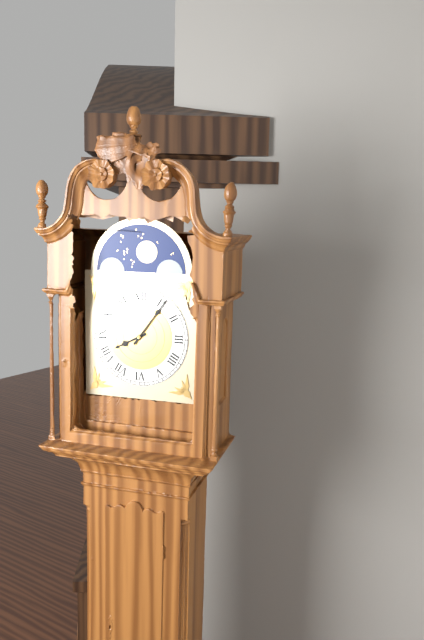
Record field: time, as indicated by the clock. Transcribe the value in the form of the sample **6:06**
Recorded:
**8:06**
